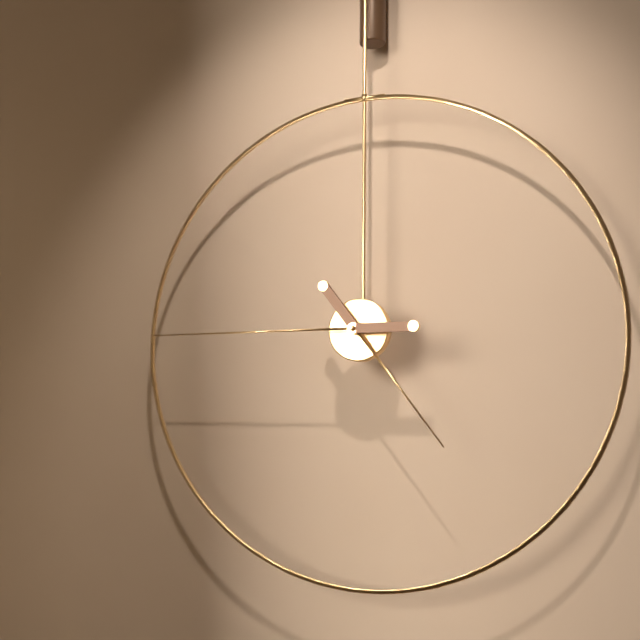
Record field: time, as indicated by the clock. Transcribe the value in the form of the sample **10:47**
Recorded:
**4:45**
